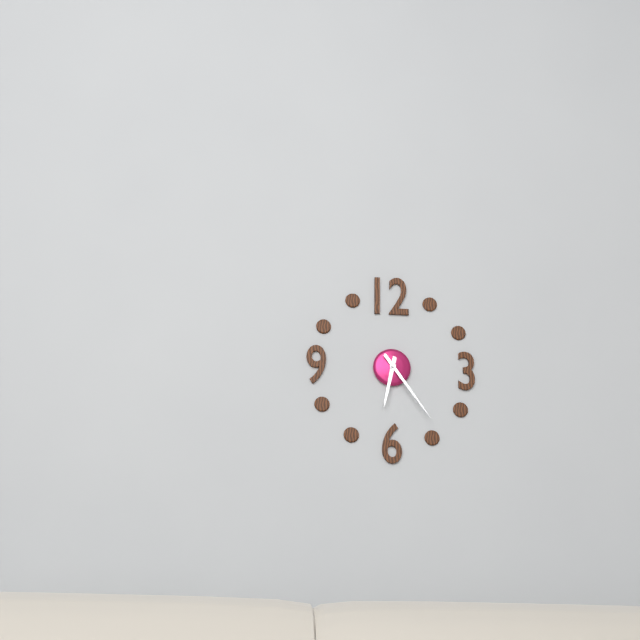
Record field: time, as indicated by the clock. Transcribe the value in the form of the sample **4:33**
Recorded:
**6:24**
